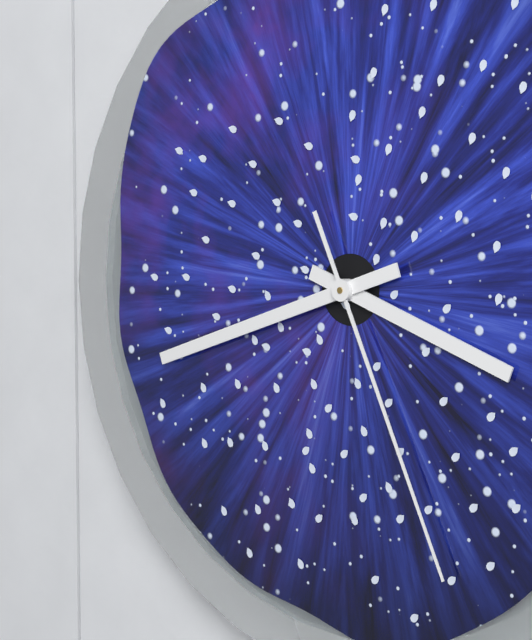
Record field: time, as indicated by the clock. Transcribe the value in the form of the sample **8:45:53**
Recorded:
**3:42:26**
